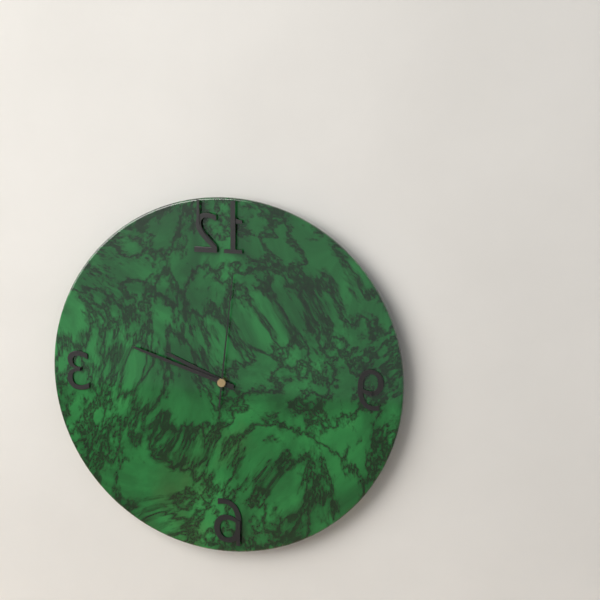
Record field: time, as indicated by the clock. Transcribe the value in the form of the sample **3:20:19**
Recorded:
**9:48:01**
